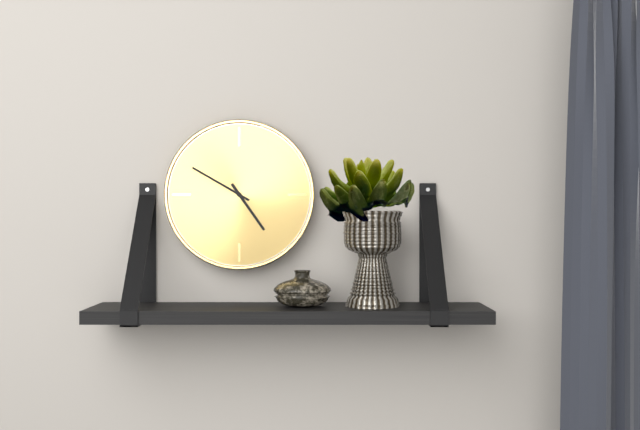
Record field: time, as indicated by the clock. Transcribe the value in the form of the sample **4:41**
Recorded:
**4:50**
